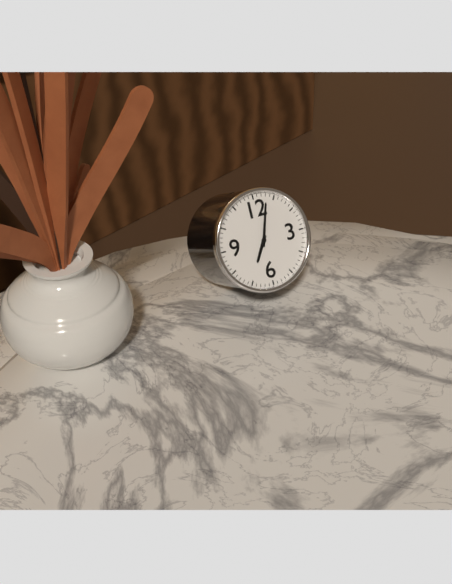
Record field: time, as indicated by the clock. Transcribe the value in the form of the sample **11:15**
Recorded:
**7:03**
